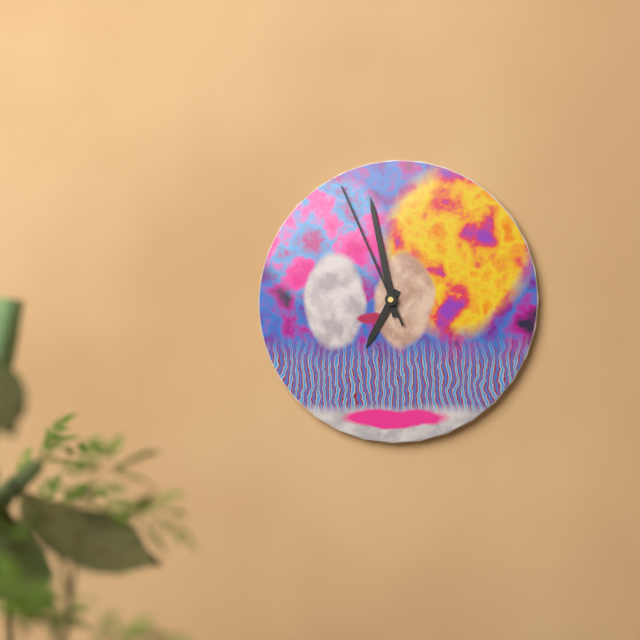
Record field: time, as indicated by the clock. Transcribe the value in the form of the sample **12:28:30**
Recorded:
**6:58:56**
